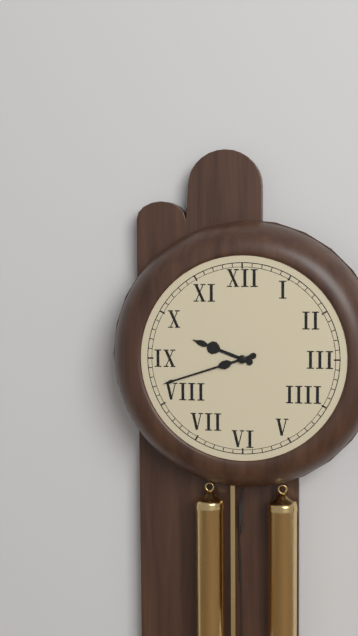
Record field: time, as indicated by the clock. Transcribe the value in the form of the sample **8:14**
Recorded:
**9:42**
